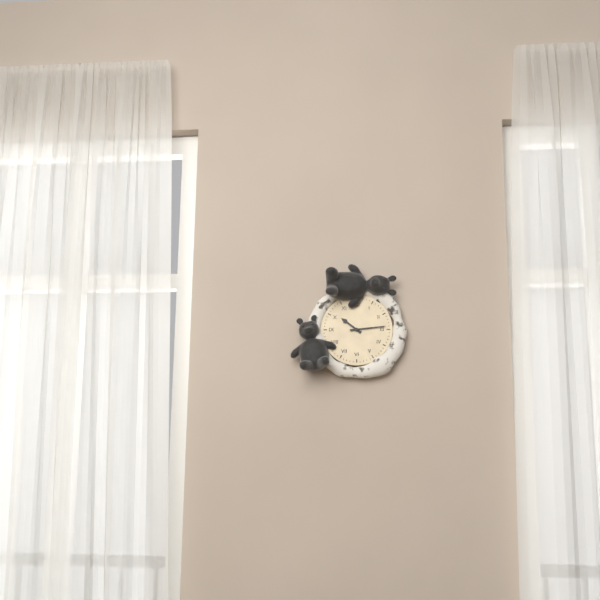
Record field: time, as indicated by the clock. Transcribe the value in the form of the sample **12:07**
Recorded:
**10:14**
